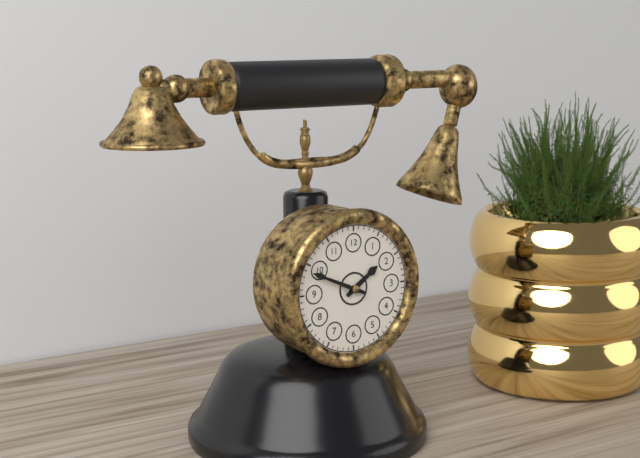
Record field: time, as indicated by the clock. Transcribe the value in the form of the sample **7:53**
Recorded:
**1:49**
